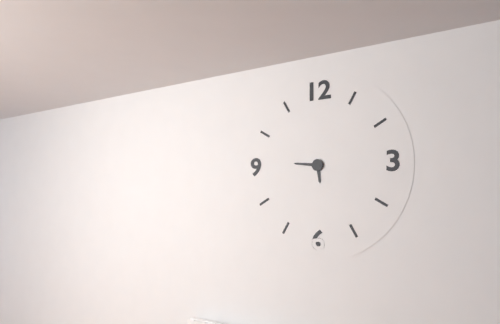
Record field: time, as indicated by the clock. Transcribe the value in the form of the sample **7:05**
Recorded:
**5:46**
